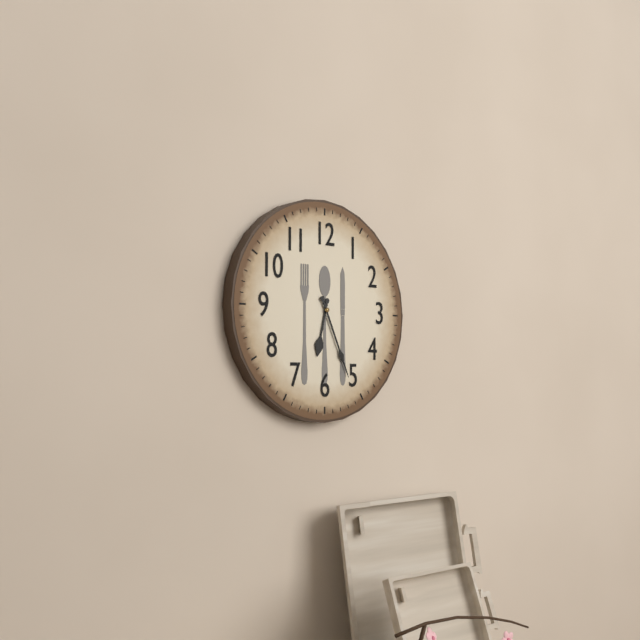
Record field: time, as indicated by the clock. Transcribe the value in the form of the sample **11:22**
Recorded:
**6:26**
